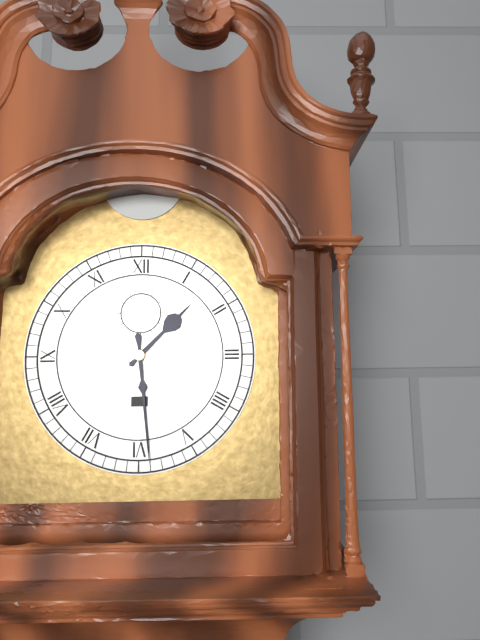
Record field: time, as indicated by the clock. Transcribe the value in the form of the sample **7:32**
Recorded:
**1:29**
